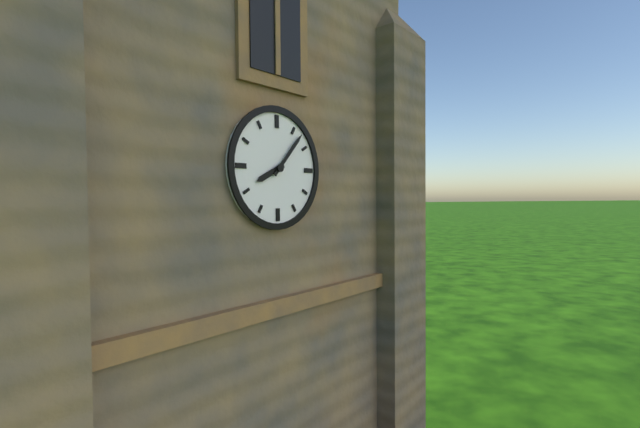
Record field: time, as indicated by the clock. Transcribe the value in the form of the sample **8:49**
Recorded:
**8:07**
